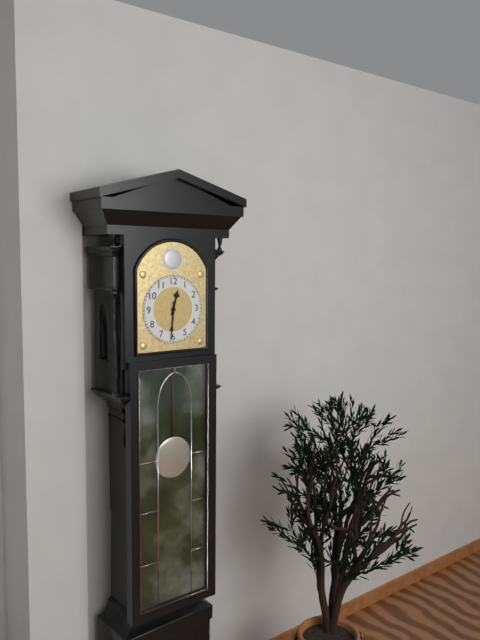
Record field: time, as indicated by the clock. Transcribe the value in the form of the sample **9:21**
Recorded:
**12:31**
